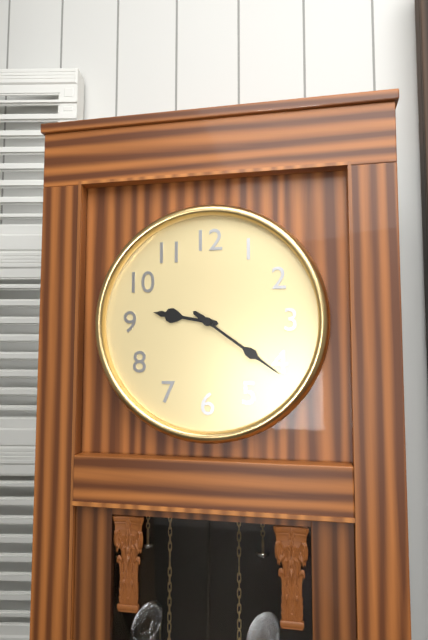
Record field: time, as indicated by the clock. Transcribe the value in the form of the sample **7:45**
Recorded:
**9:21**
